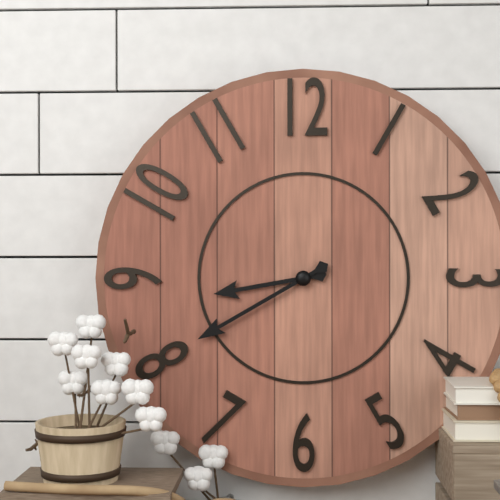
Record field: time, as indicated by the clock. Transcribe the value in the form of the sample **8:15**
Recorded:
**8:40**
